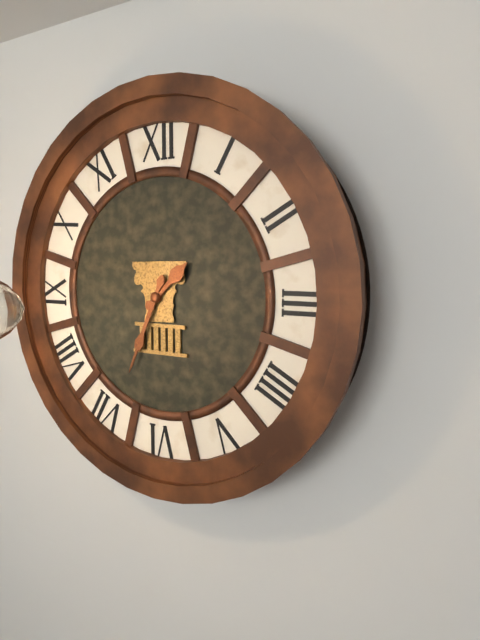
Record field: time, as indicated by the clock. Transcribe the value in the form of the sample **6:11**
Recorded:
**1:34**
